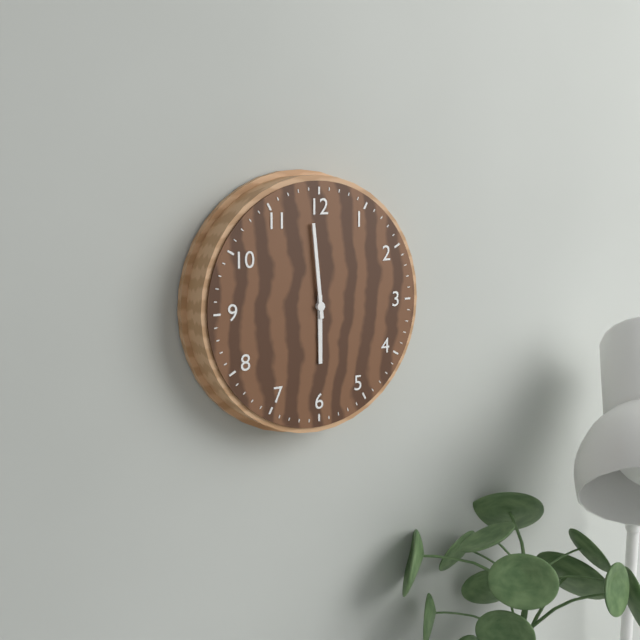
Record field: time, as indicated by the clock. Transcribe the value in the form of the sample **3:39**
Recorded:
**5:59**
